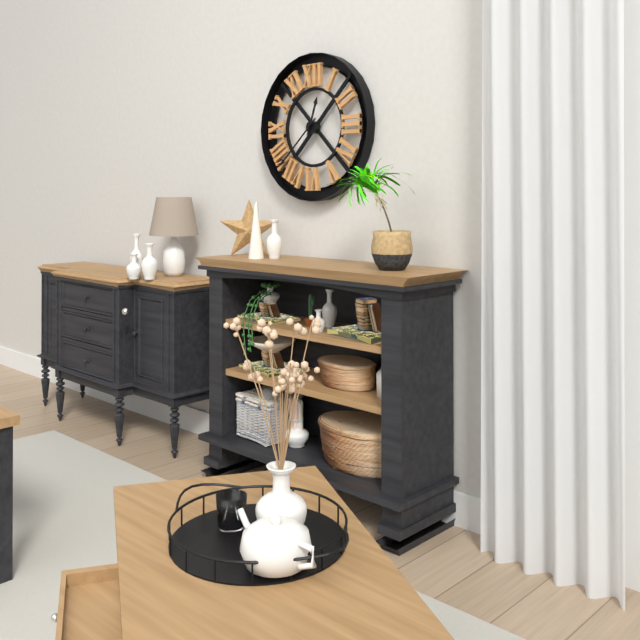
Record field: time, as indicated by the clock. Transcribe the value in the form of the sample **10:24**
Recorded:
**12:38**
